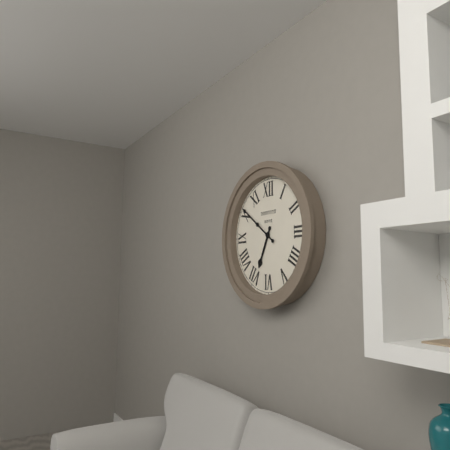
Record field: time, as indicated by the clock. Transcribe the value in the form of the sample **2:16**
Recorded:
**6:51**
